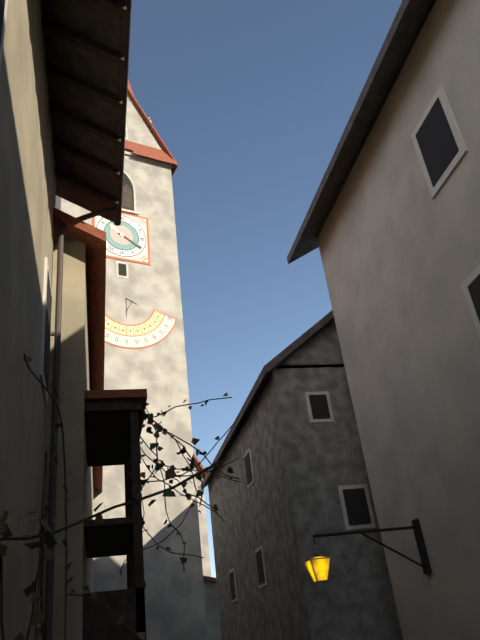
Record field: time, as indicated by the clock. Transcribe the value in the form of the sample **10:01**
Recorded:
**10:20**
